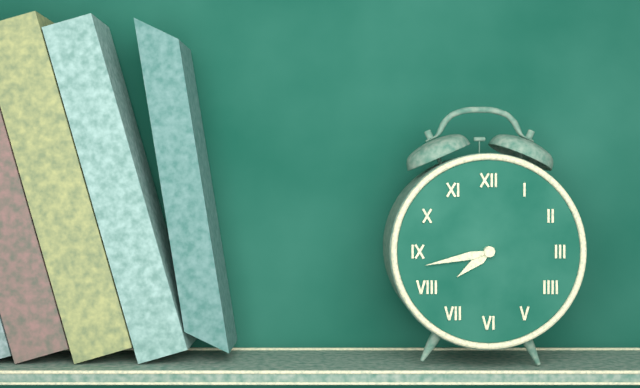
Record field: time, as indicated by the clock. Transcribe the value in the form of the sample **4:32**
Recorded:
**7:43**
